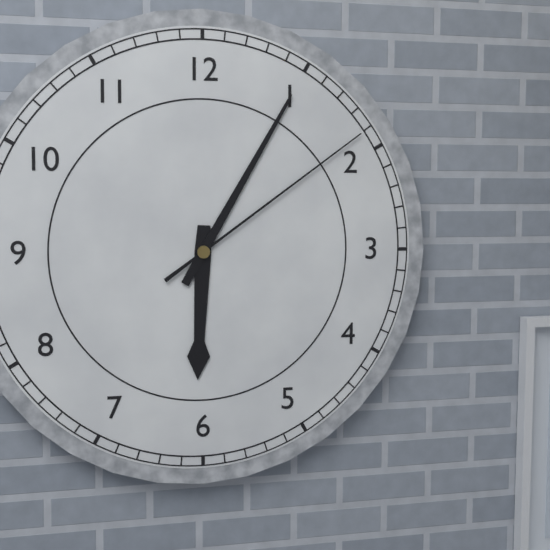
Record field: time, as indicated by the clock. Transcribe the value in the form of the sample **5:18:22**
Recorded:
**6:05:09**
